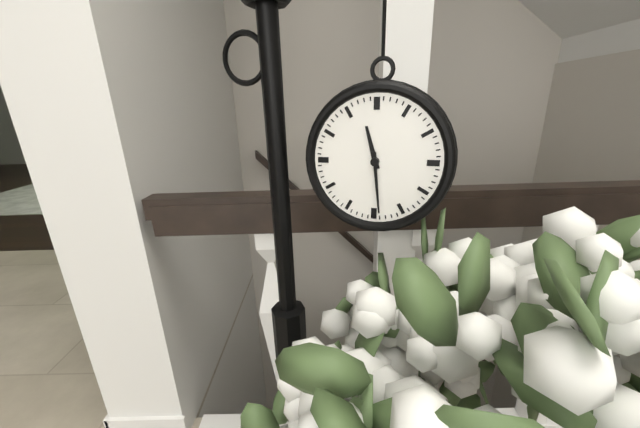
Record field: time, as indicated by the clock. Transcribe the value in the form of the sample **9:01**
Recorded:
**11:29**
